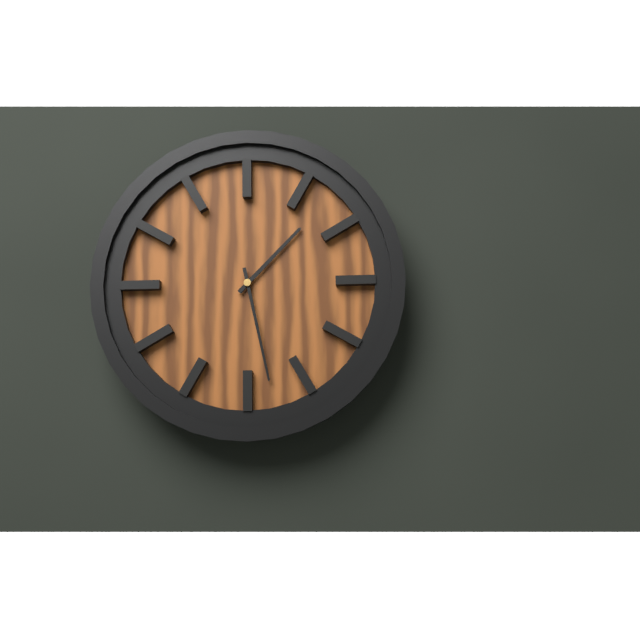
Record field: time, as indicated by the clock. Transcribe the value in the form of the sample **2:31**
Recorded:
**1:28**
